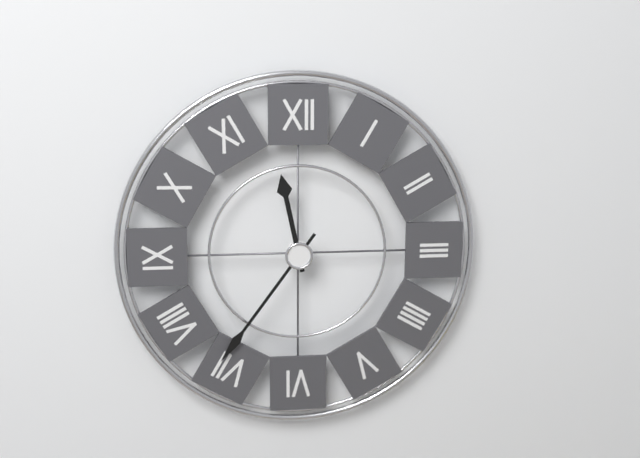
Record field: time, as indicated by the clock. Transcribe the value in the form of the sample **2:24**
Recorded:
**11:36**
